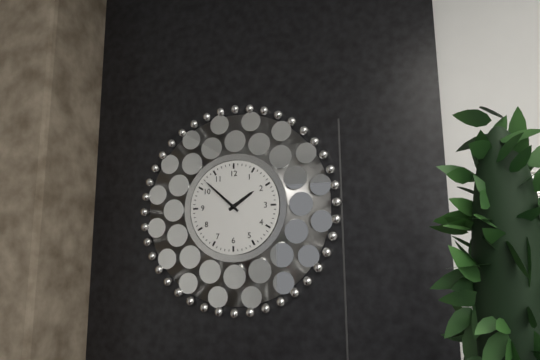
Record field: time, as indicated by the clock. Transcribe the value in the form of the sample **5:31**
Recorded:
**1:52**
